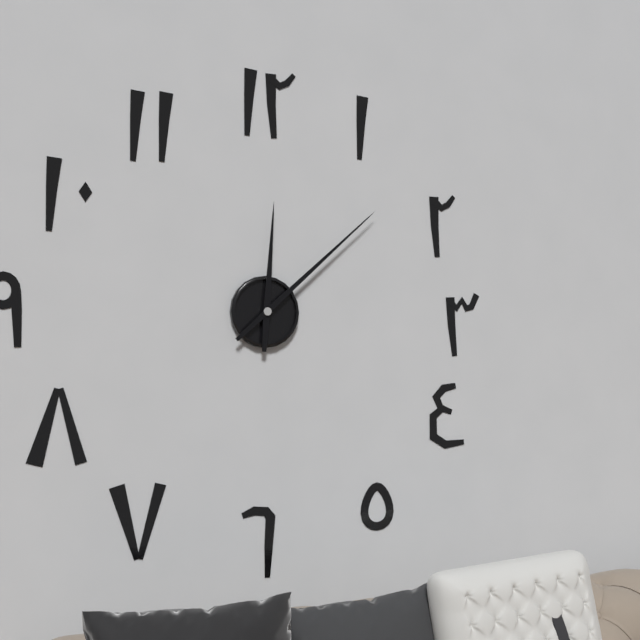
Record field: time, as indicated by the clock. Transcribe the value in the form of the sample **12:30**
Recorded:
**12:08**
